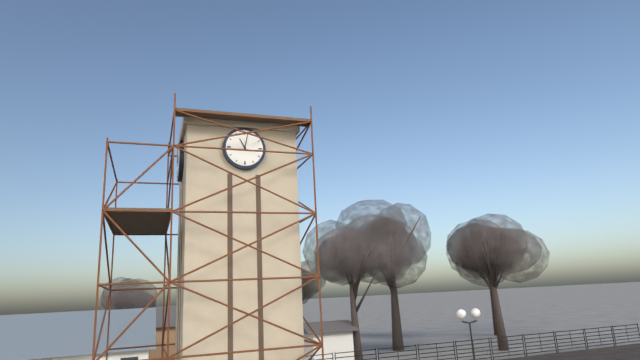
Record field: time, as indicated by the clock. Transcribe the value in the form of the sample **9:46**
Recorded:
**11:02**
